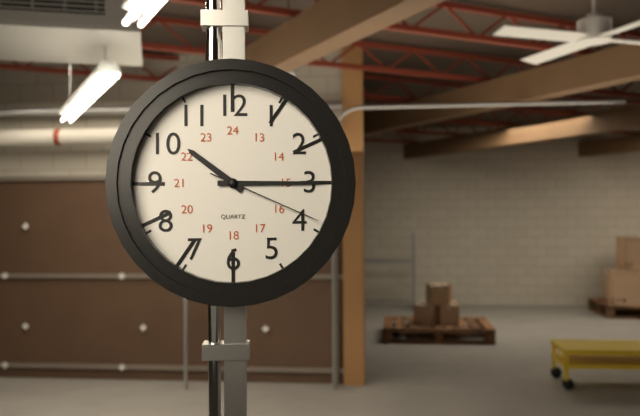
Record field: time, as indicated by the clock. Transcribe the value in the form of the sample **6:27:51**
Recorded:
**10:15:19**
